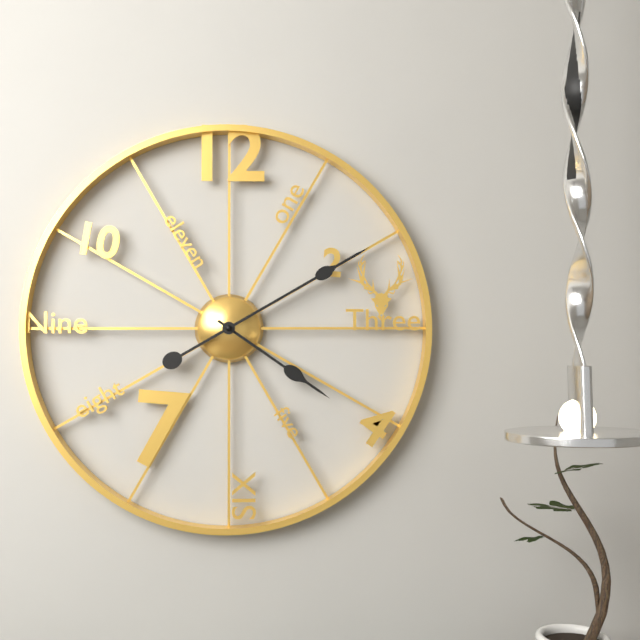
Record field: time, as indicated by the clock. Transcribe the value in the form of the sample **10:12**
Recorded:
**4:10**
